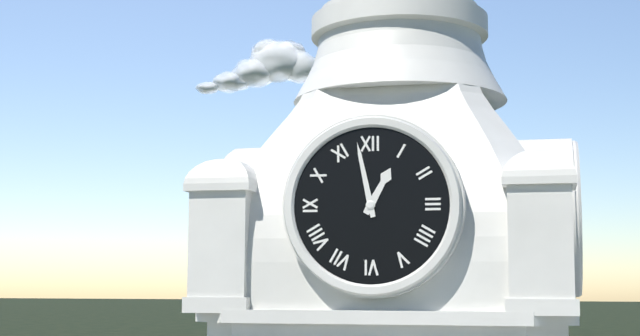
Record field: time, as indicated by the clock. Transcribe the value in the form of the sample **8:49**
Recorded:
**12:58**
